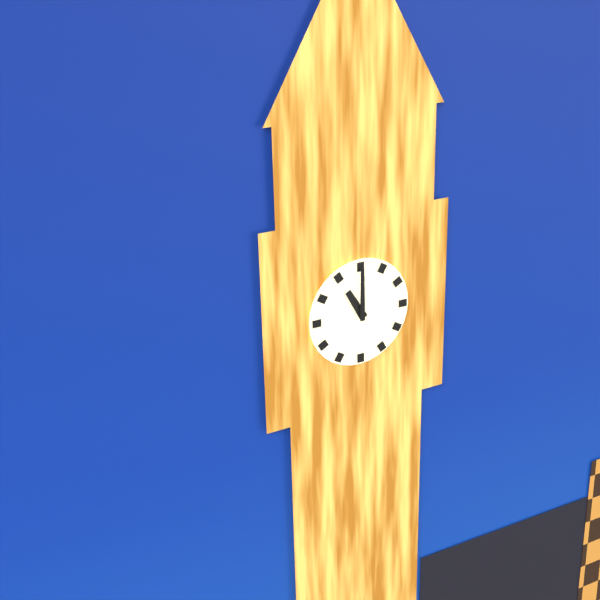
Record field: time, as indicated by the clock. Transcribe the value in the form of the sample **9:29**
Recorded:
**11:00**
